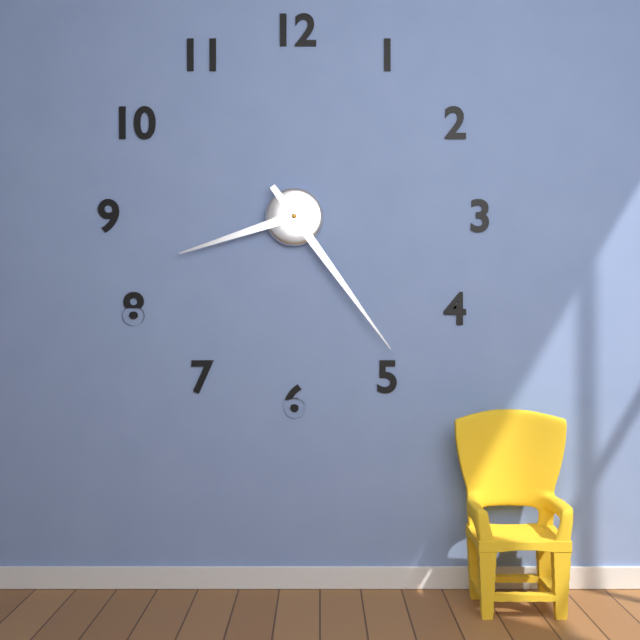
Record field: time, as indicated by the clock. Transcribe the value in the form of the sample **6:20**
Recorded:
**8:24**
